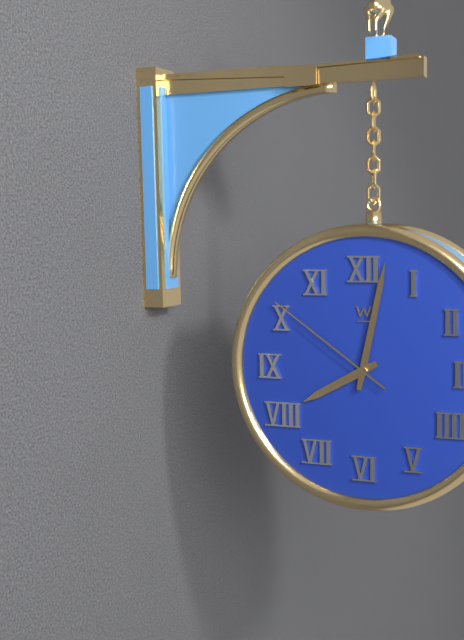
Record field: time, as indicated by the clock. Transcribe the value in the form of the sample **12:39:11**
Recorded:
**8:02:51**
